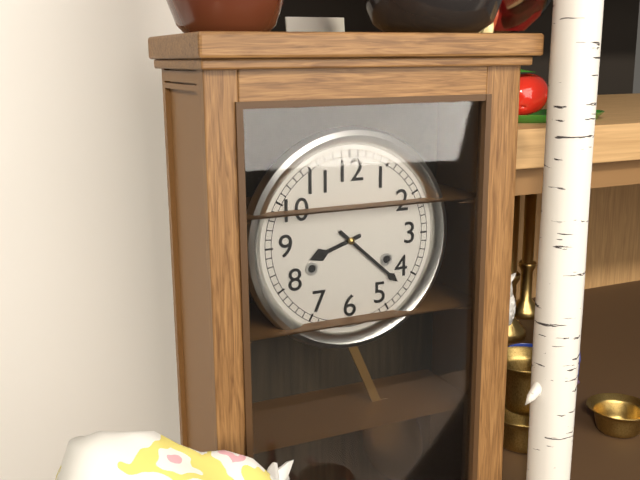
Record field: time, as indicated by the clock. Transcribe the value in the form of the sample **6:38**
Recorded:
**8:22**
